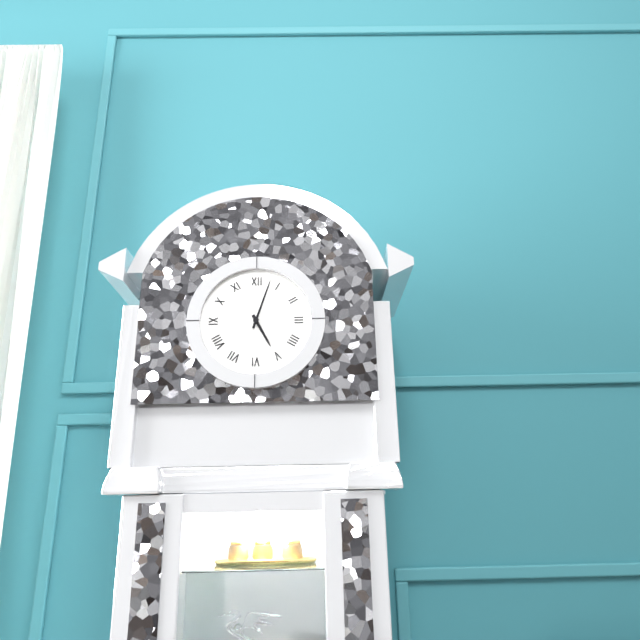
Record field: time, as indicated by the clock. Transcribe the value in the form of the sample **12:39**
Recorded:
**5:03**
